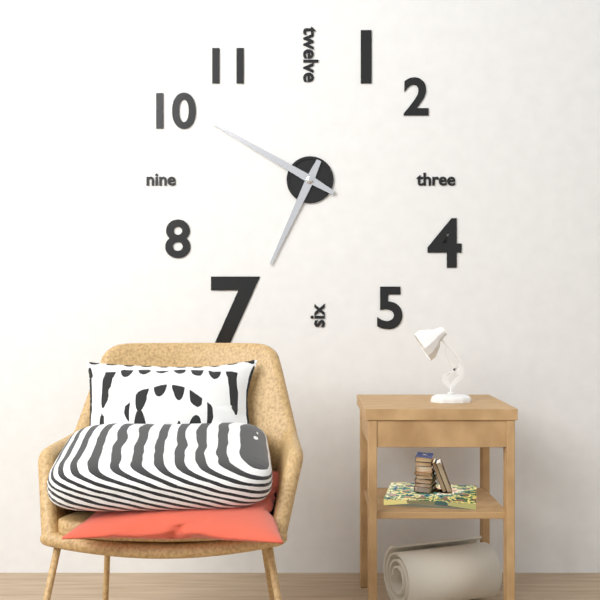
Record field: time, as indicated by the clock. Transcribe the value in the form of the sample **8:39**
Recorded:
**6:50**
